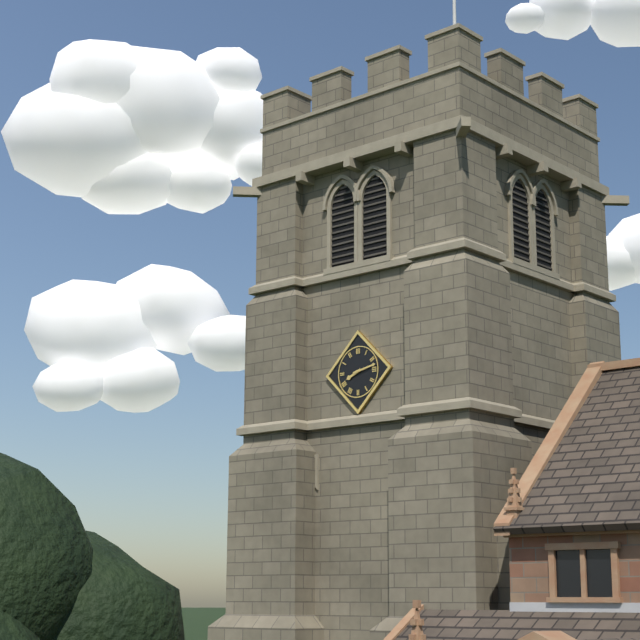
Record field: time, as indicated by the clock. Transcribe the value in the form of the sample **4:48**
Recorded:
**8:13**
